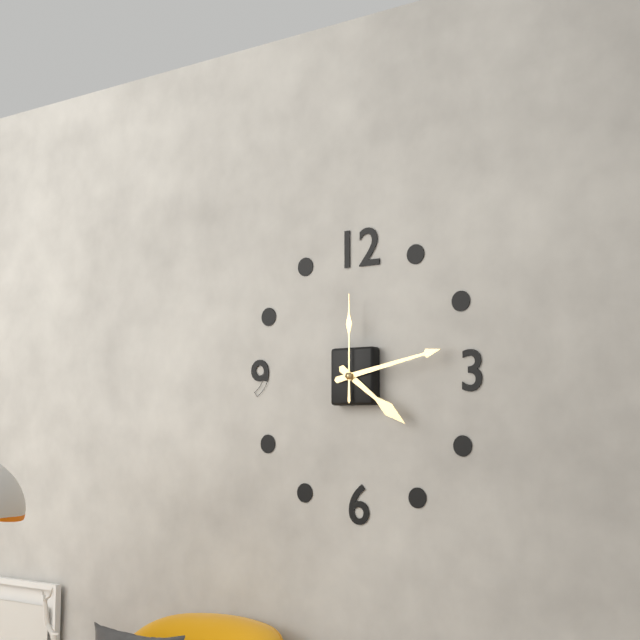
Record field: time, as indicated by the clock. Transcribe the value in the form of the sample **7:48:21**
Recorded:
**4:13:00**
